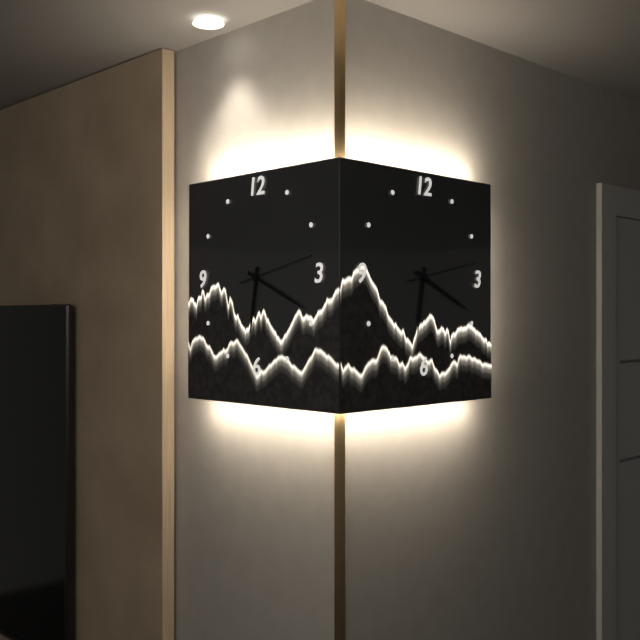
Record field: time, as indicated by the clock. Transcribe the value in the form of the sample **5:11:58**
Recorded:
**6:19:13**
